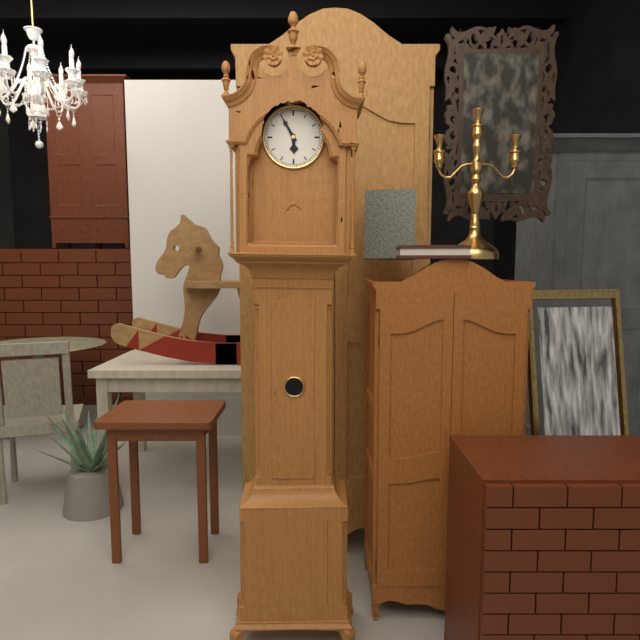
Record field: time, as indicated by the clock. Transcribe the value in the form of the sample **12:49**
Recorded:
**5:55**
